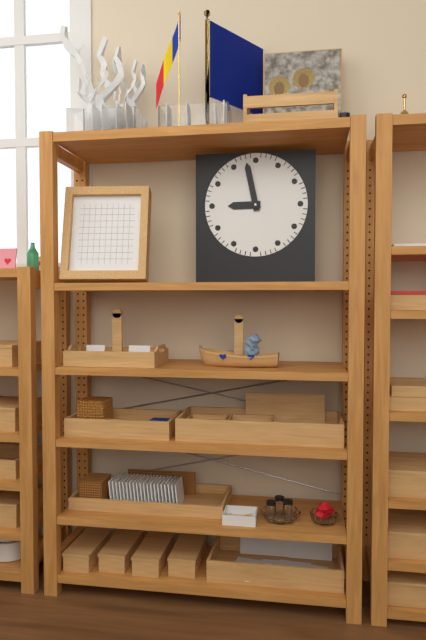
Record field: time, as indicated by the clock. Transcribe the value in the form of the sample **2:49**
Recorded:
**8:58**
